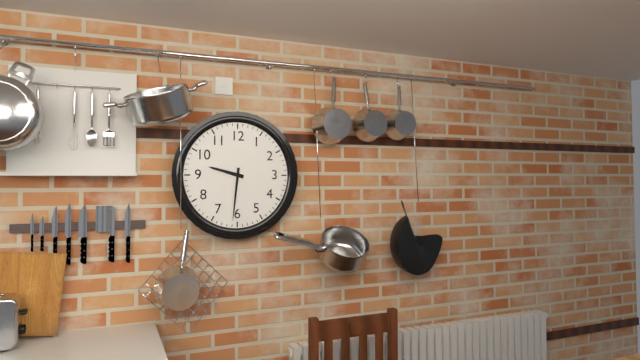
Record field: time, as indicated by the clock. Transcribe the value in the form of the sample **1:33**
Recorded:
**9:31**
